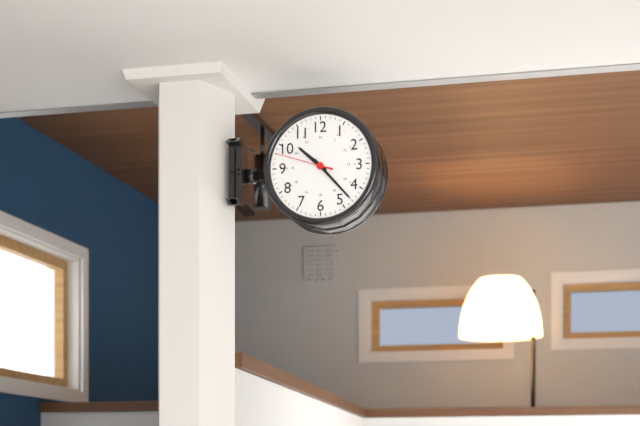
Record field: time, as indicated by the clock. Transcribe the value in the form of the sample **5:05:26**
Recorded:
**10:23:48**
